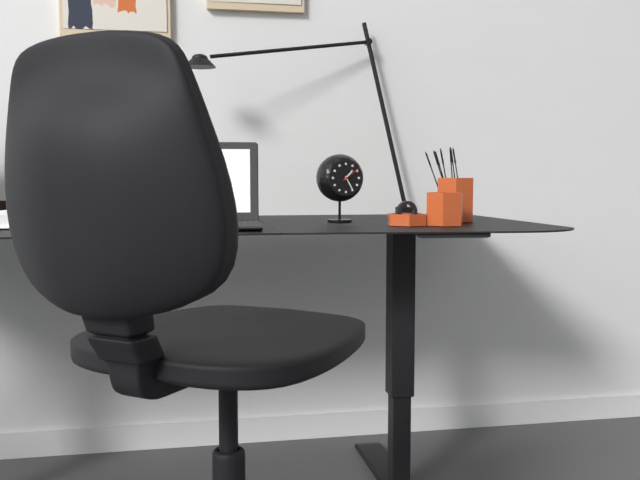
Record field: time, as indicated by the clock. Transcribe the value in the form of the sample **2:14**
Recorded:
**1:25**
